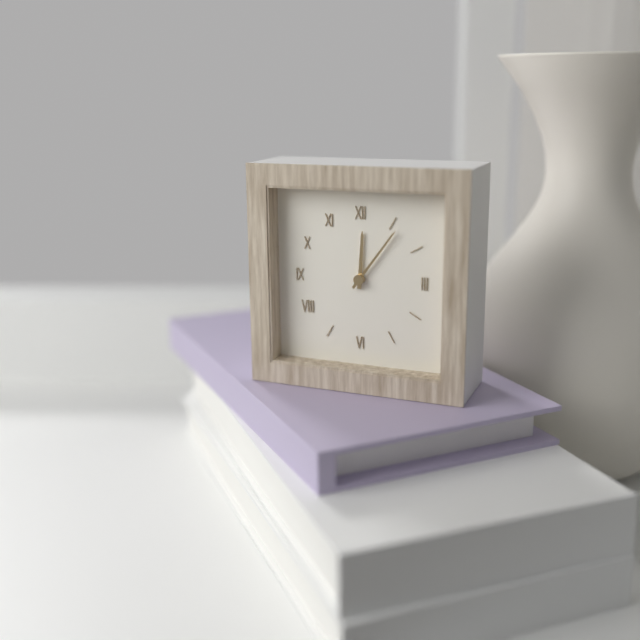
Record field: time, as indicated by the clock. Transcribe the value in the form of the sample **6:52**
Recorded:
**12:06**
